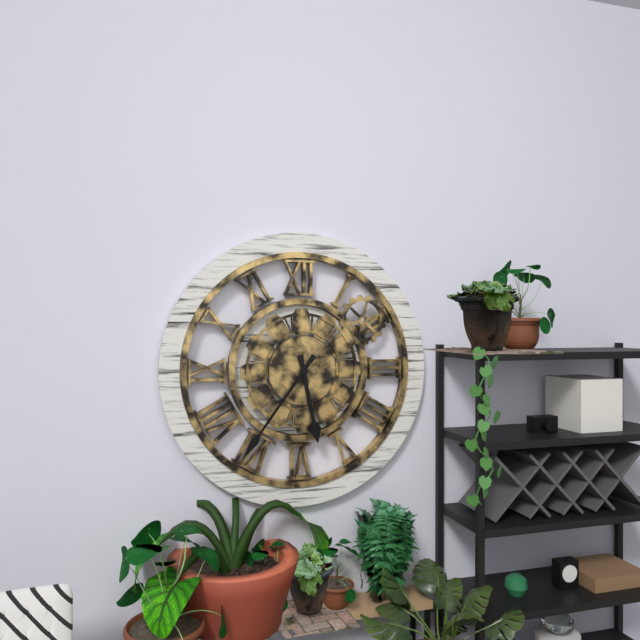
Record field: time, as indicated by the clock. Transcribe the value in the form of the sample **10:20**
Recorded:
**5:36**
